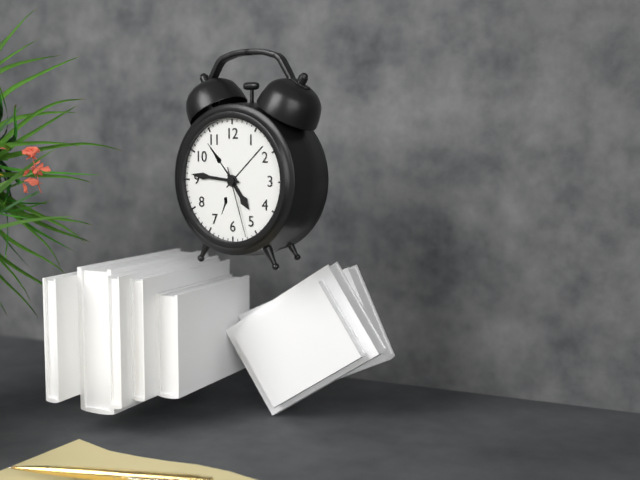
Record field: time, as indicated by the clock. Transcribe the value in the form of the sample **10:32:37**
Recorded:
**4:46:27**
